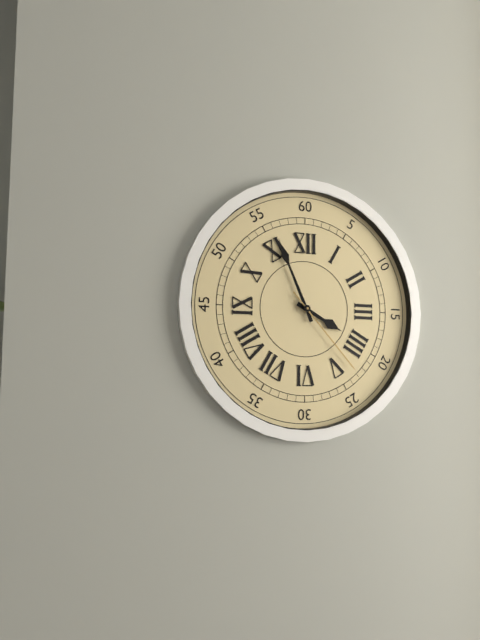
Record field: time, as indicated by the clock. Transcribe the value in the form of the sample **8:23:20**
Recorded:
**3:56:23**
